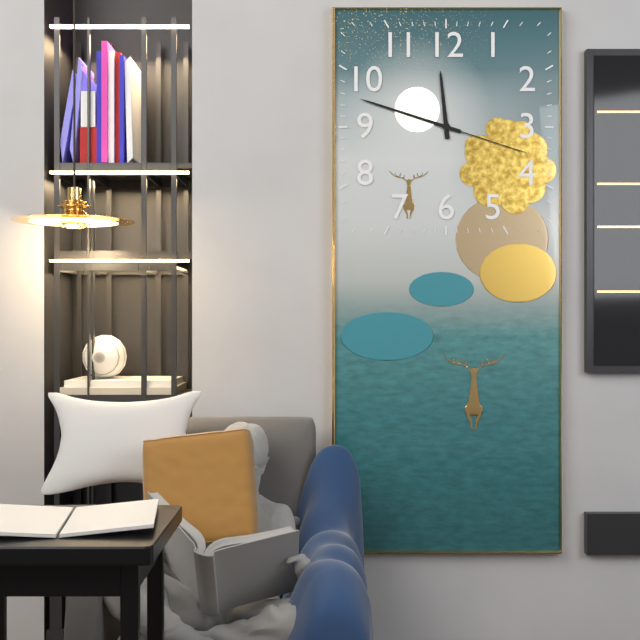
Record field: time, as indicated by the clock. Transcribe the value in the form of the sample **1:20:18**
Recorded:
**11:48:18**
